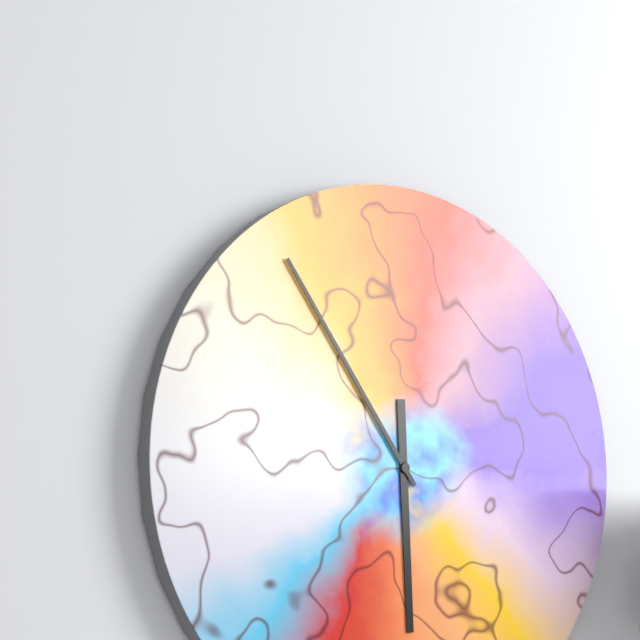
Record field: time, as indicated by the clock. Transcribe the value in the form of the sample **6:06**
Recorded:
**5:54**
